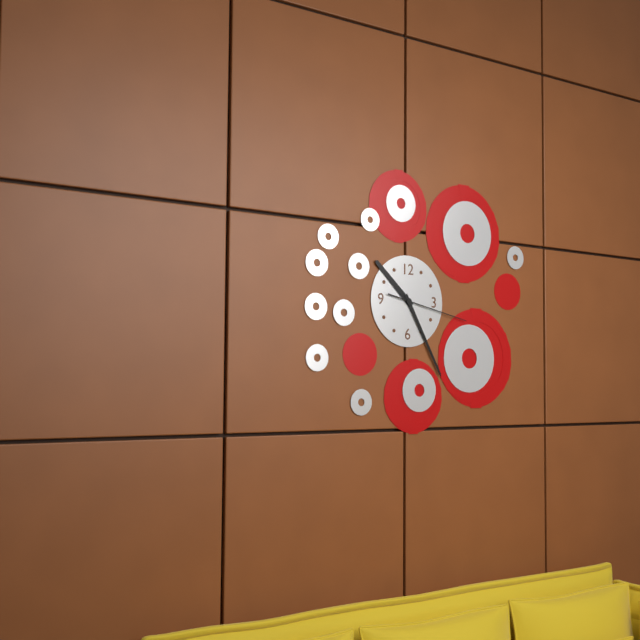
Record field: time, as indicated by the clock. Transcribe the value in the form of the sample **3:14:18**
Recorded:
**10:25:17**
